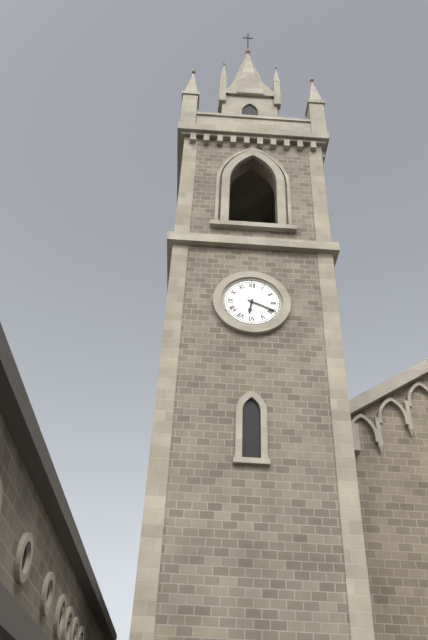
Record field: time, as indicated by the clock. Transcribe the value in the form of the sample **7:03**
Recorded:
**6:19**
